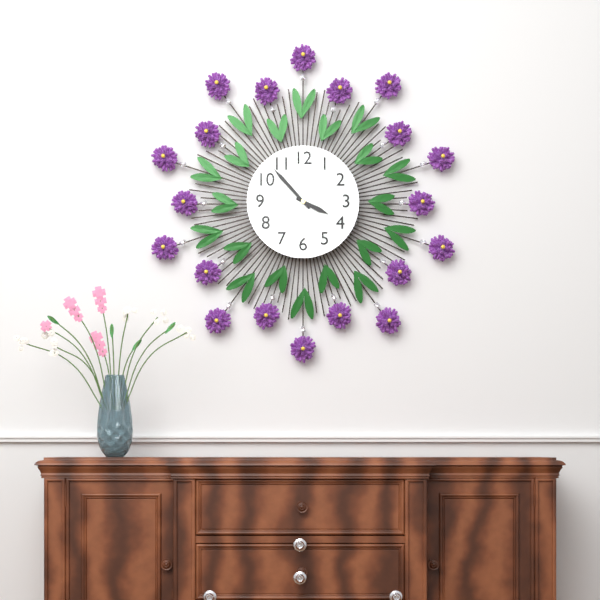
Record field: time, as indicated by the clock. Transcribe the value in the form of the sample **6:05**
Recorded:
**3:53**
